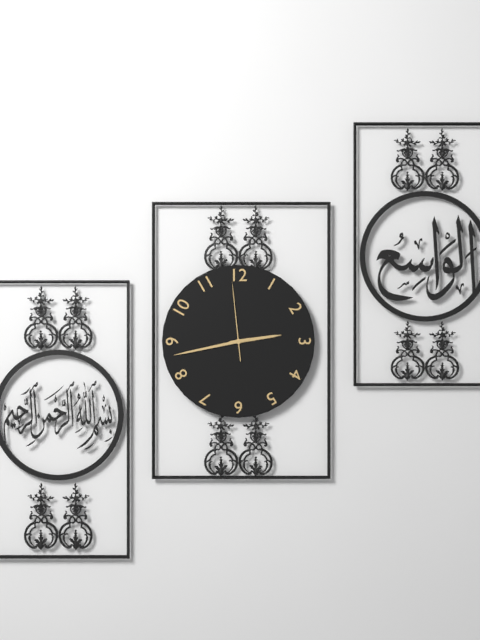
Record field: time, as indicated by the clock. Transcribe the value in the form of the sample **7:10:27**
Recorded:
**2:43:59**
